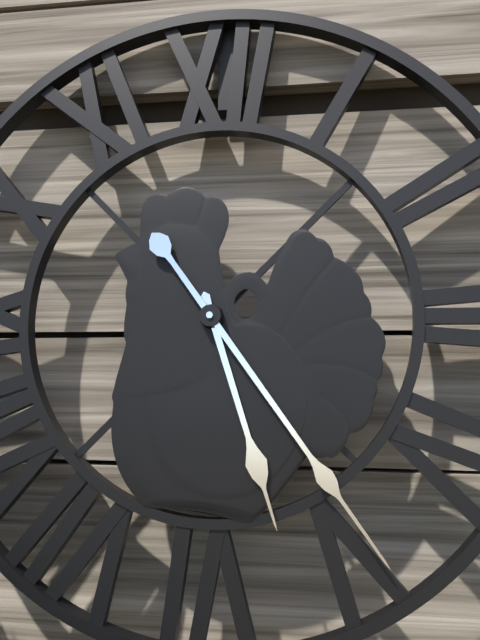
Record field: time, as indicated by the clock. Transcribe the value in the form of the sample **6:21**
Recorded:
**5:24**
